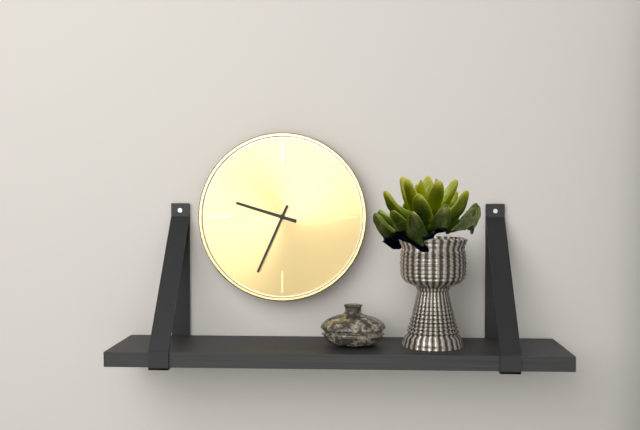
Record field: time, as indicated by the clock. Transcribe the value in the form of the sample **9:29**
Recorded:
**9:34**
